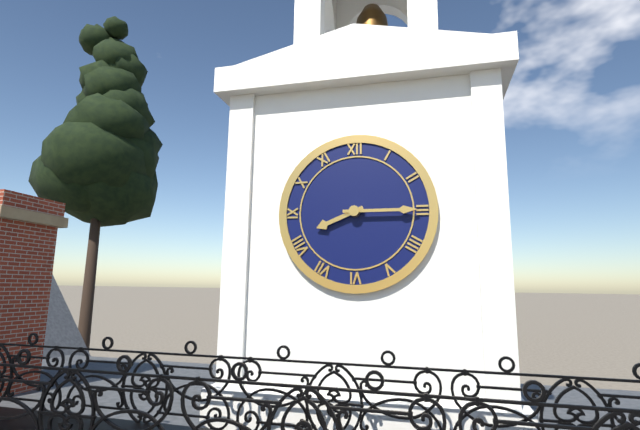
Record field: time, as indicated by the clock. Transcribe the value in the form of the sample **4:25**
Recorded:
**8:15**
